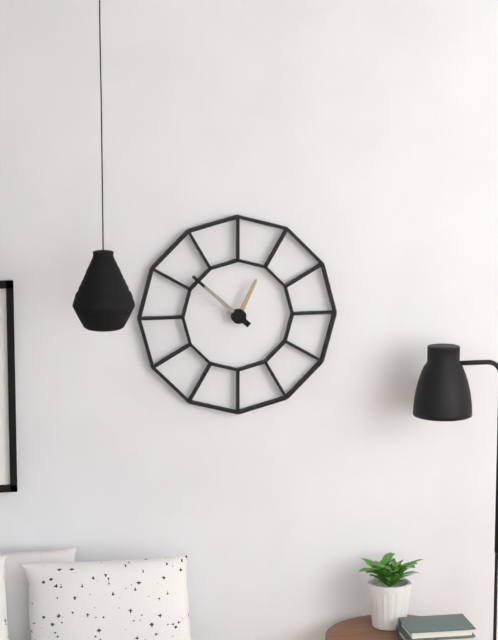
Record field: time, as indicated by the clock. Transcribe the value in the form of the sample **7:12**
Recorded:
**12:52**
